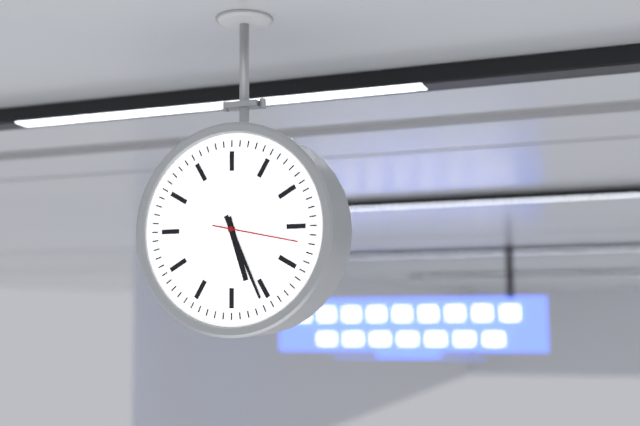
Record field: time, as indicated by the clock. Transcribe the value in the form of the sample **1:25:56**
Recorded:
**5:26:17**
